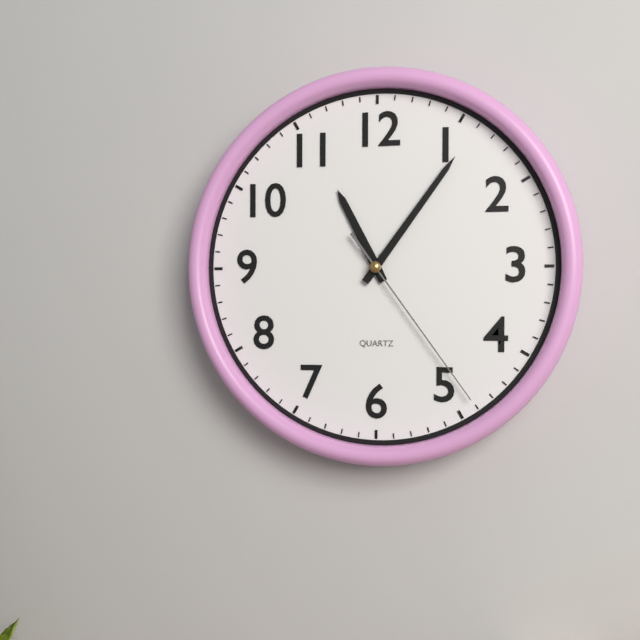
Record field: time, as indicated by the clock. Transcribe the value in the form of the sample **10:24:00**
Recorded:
**11:06:24**
